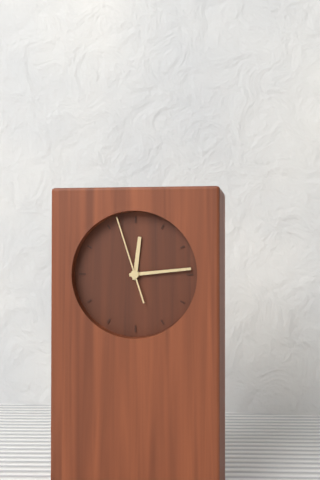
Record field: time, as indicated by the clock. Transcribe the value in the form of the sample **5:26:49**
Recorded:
**12:14:57**
